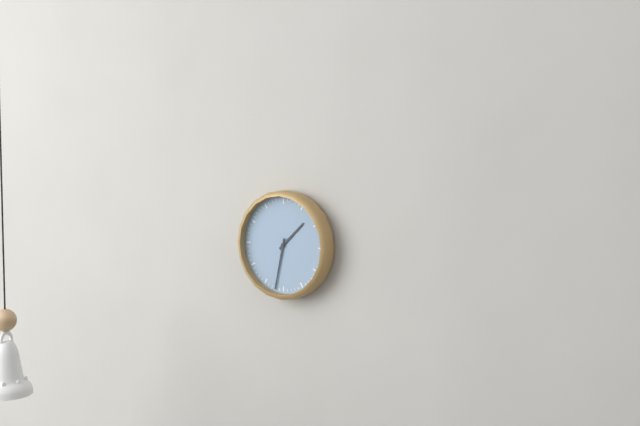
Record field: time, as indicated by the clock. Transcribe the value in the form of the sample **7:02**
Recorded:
**1:32**
